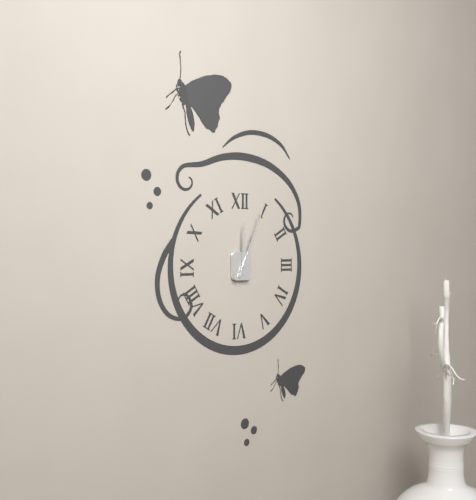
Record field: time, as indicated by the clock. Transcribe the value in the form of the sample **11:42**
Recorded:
**12:04**
